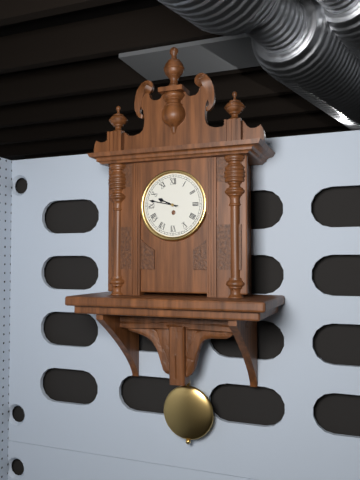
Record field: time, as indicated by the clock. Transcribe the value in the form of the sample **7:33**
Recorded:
**9:47**
